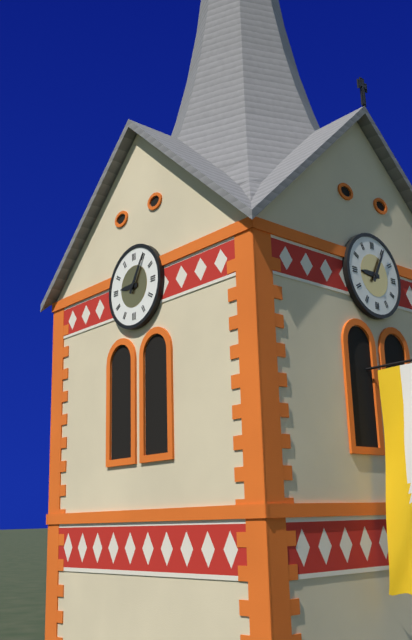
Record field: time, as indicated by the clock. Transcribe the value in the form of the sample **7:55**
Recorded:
**9:05**
